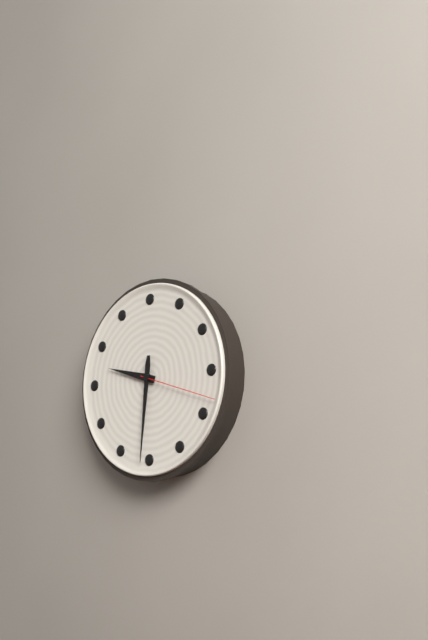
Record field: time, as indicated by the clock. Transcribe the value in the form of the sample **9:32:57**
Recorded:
**9:31:18**
